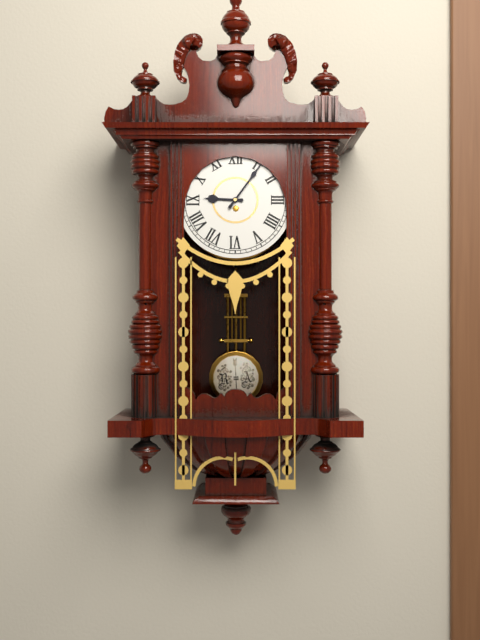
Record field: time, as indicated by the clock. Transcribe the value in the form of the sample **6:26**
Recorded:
**9:06**
